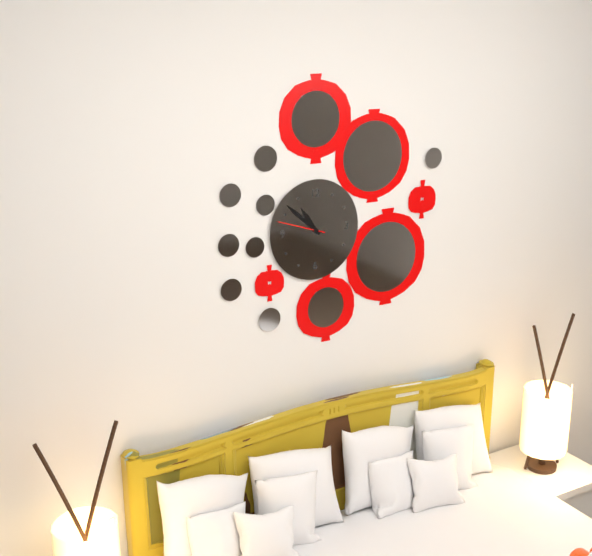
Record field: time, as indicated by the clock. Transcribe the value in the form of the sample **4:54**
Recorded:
**10:52**
